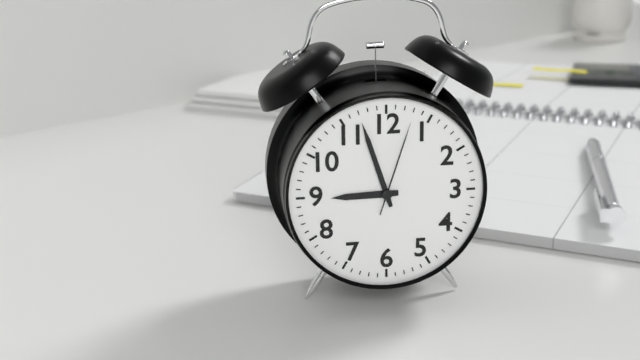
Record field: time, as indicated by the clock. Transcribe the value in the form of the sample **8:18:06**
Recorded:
**8:57:03**
